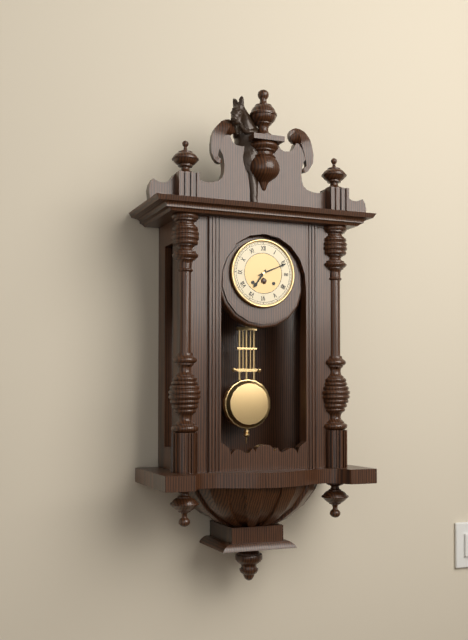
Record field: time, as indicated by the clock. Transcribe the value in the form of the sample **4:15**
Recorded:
**7:11**
